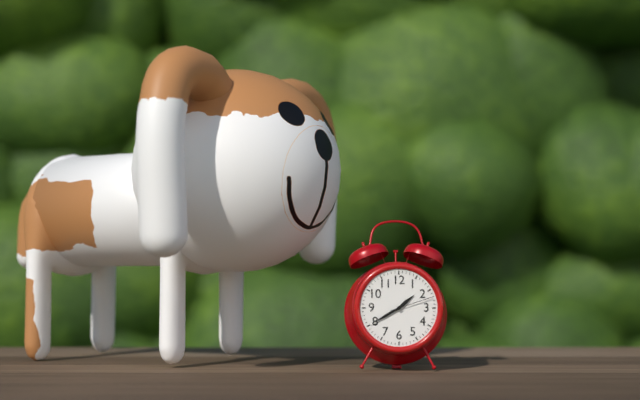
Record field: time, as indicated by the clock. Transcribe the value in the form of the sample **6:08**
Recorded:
**1:40**
